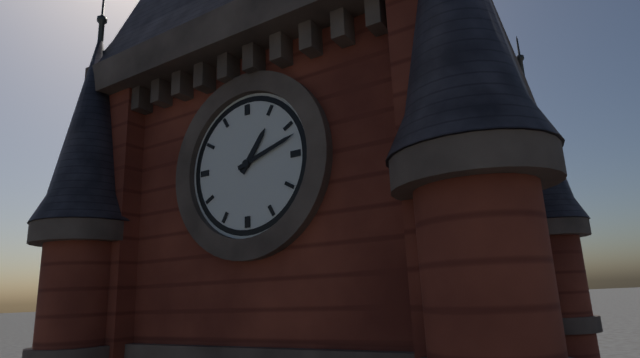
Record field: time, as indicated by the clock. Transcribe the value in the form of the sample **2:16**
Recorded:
**1:12**
